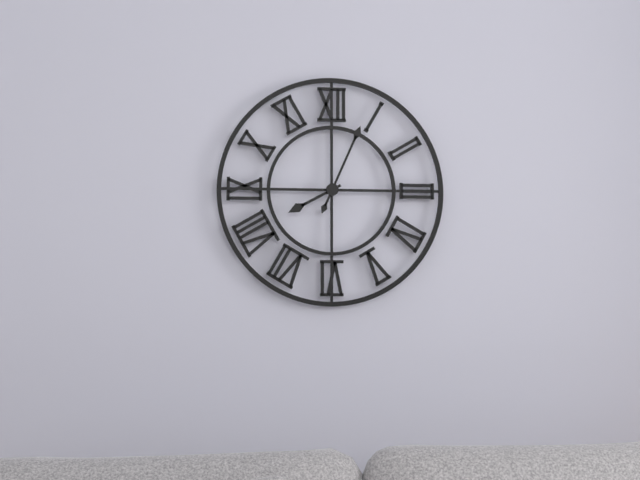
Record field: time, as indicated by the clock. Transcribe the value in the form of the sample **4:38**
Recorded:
**8:04**
